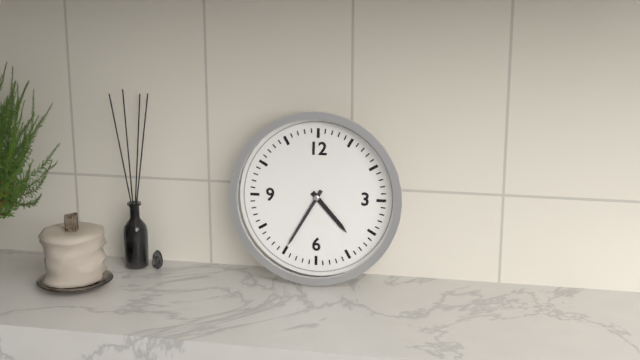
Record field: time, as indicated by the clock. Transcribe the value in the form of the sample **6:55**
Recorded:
**4:35**
